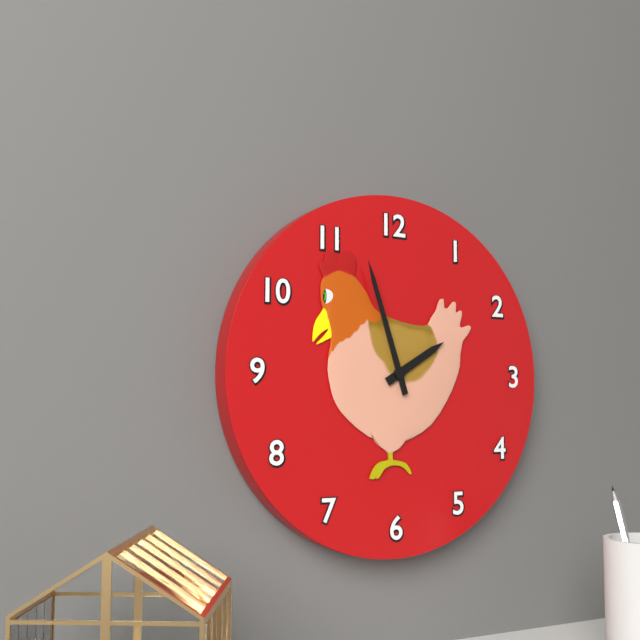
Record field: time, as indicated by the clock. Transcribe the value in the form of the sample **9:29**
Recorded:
**1:57**
